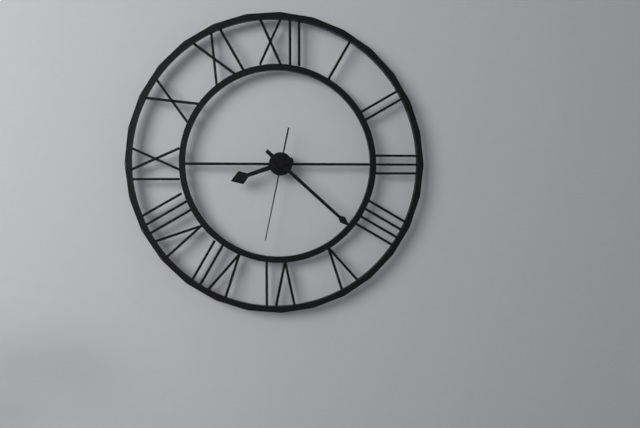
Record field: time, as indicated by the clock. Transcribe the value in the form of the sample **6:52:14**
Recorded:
**8:22:32**
